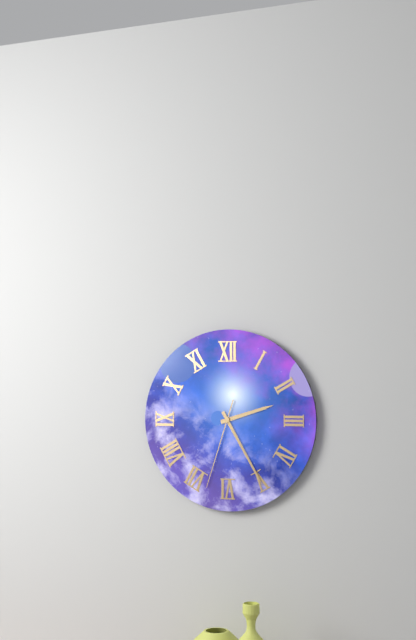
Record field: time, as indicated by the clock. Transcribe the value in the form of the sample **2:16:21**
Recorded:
**2:25:33**
